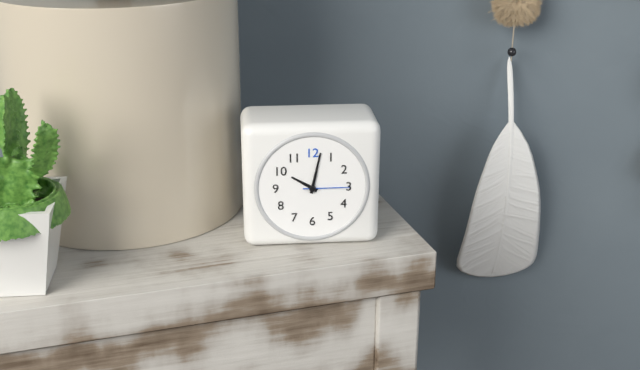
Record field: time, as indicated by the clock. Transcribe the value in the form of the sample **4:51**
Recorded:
**10:02**
